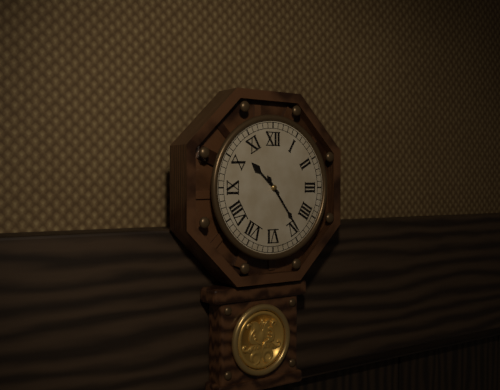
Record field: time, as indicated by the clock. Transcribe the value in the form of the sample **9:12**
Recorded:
**10:24**
